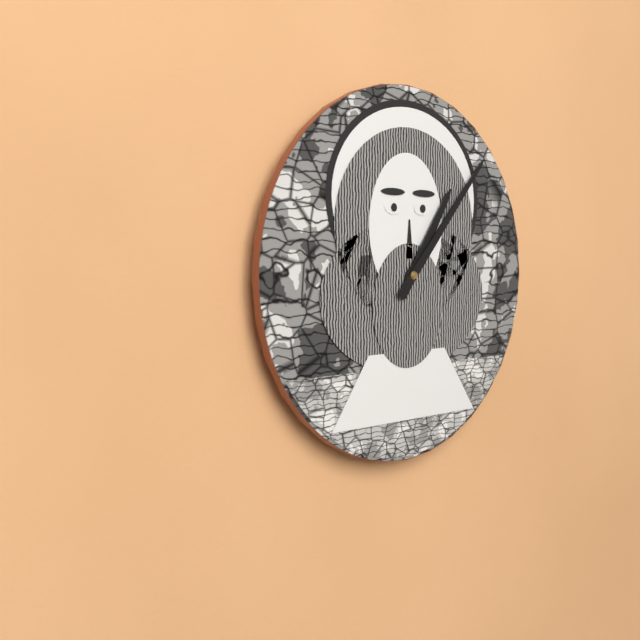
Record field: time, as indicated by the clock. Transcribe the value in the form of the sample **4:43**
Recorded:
**1:07**
